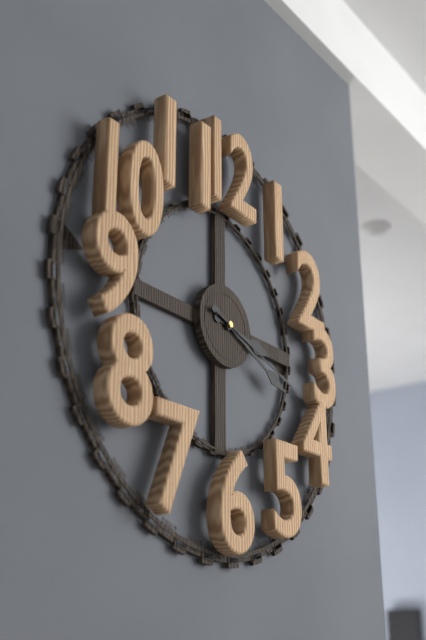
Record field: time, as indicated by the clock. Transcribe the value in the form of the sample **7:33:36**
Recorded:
**3:19:18**
